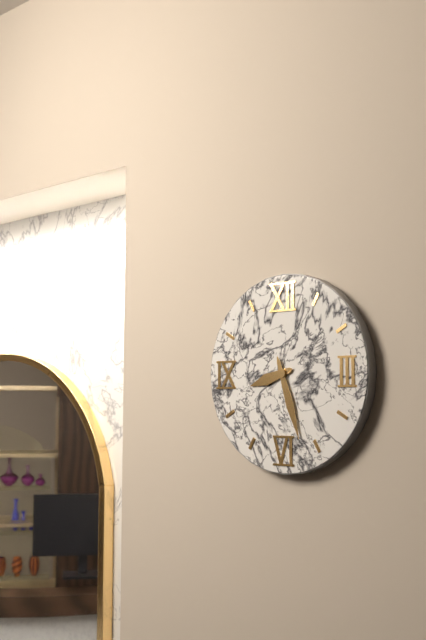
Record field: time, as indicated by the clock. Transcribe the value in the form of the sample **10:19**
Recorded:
**8:27**
